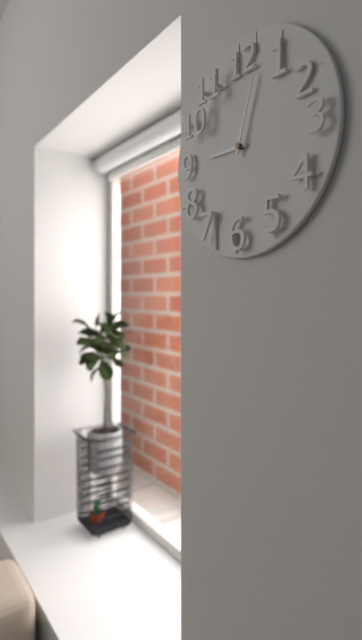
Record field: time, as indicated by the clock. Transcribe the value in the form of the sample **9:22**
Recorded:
**9:03**
